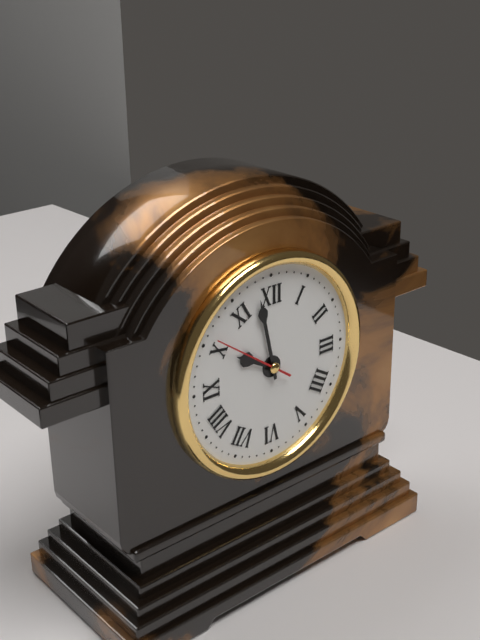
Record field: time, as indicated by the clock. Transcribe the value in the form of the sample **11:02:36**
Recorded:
**9:58:51**
